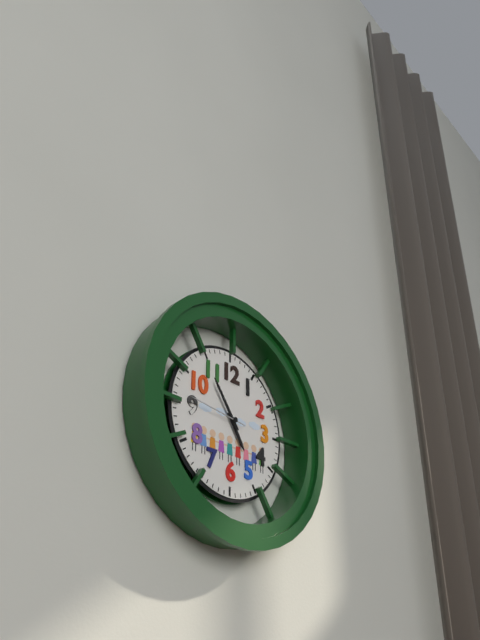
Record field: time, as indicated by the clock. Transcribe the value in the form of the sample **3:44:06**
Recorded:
**4:54:46**
